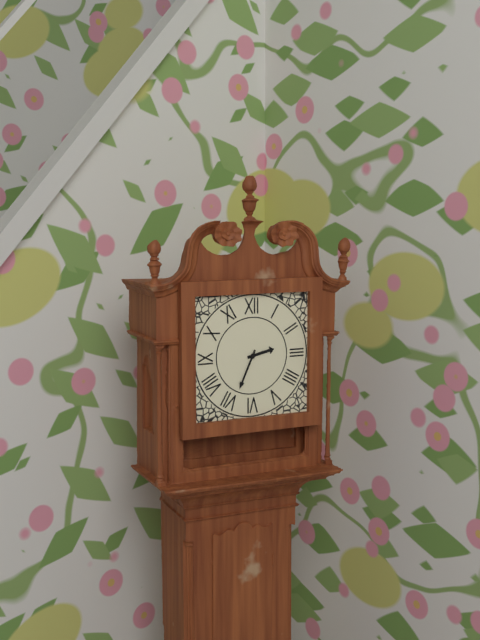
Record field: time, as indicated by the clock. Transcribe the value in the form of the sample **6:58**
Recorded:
**2:34**
